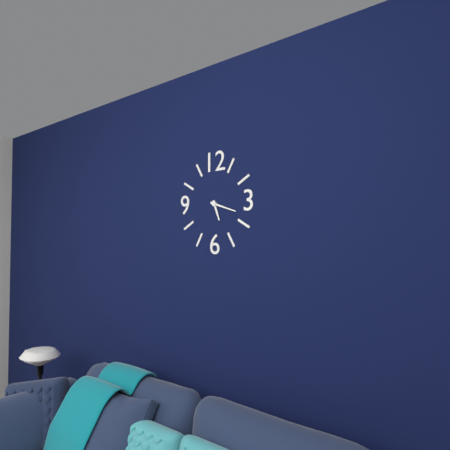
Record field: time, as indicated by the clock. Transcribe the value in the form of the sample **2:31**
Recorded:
**5:18**
